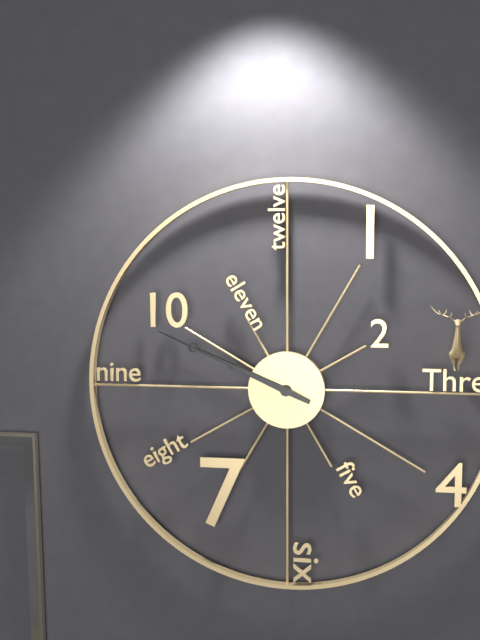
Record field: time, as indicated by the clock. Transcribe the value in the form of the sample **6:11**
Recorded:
**9:49**
